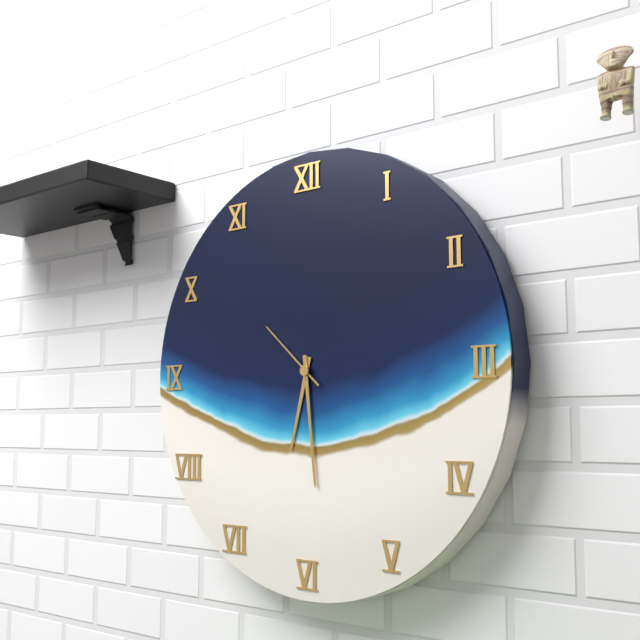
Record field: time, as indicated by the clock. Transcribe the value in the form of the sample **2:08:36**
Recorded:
**6:29:52**
